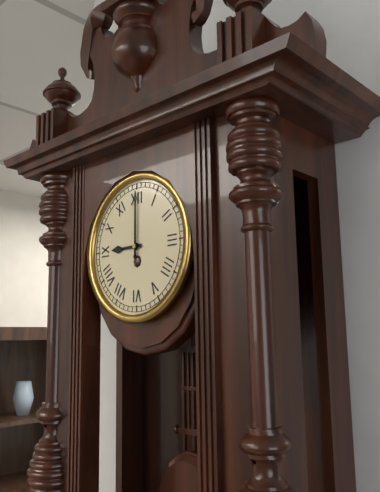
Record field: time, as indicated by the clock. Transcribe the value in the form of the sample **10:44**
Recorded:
**9:00**
